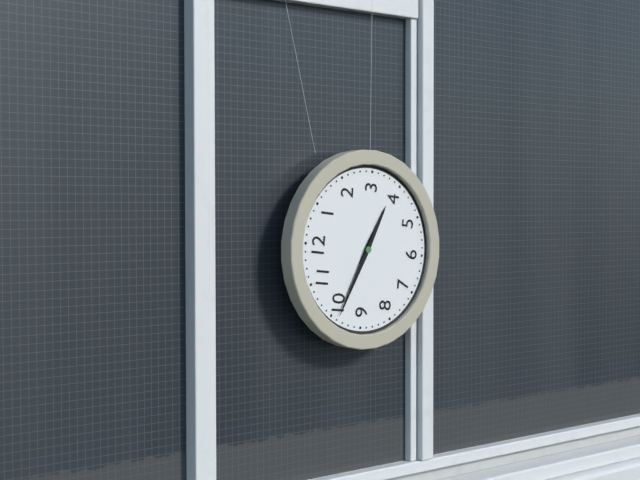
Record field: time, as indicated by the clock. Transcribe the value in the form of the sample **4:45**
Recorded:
**3:49**
